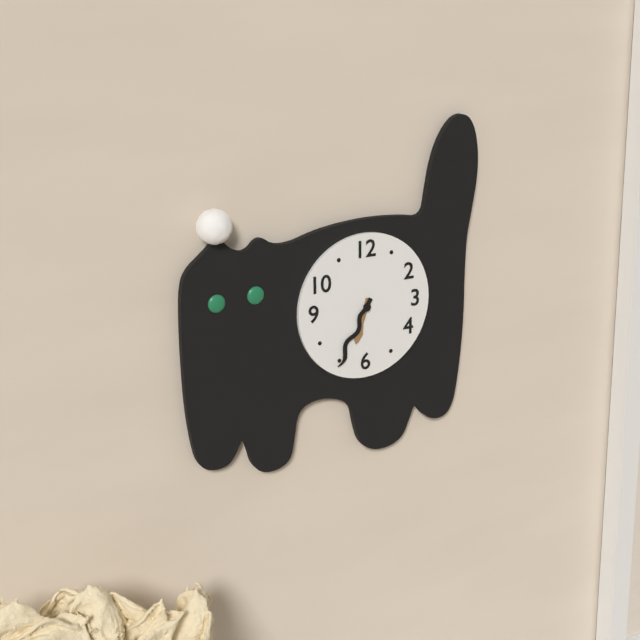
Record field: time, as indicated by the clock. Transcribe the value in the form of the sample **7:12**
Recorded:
**6:35**
